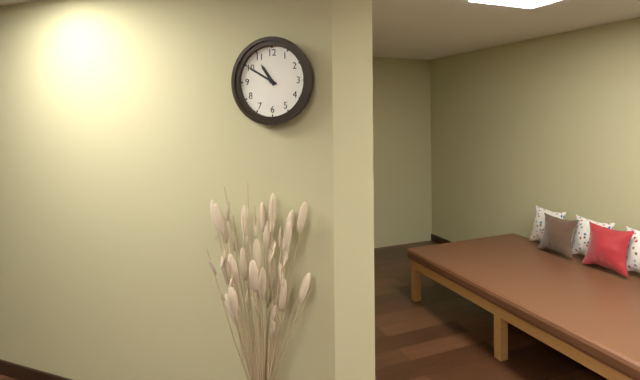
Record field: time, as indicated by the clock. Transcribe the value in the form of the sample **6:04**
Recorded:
**10:50**
